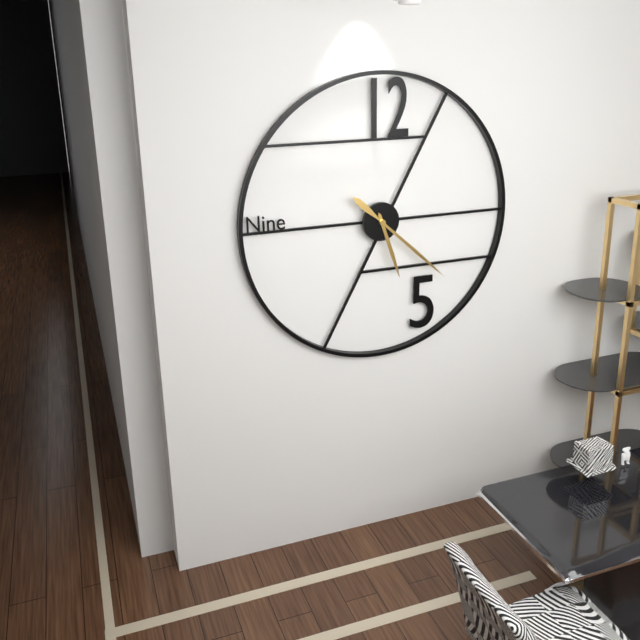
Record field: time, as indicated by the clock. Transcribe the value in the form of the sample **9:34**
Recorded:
**5:22**
